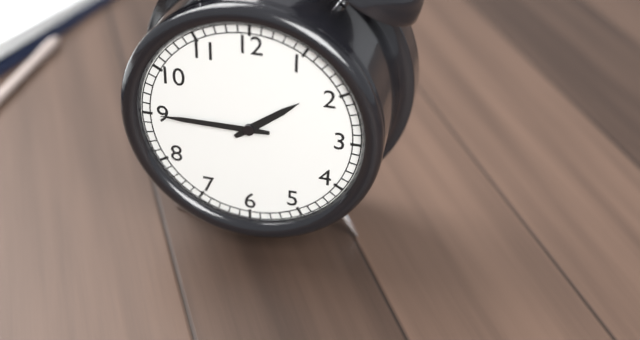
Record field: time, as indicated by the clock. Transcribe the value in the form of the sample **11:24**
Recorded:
**1:45**
